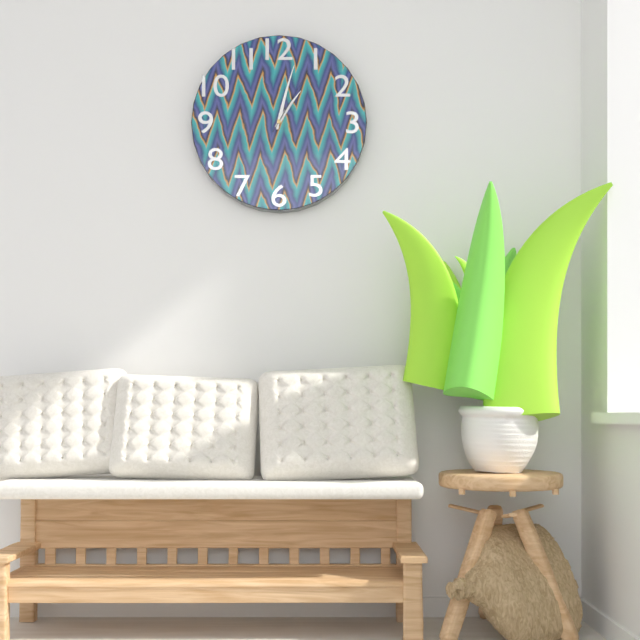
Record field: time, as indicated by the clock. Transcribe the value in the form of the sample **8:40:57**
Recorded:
**1:02:05**
